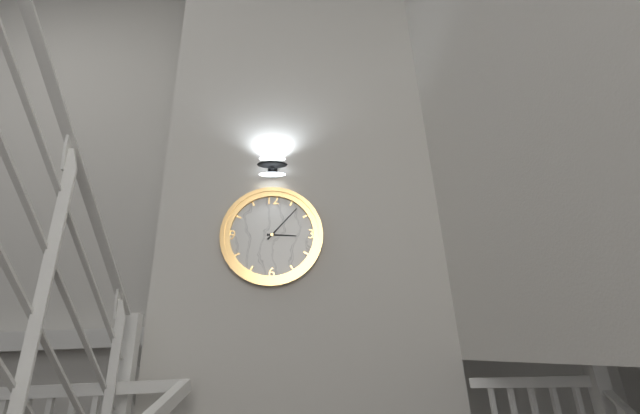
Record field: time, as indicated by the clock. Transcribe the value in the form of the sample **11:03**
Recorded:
**3:07**
